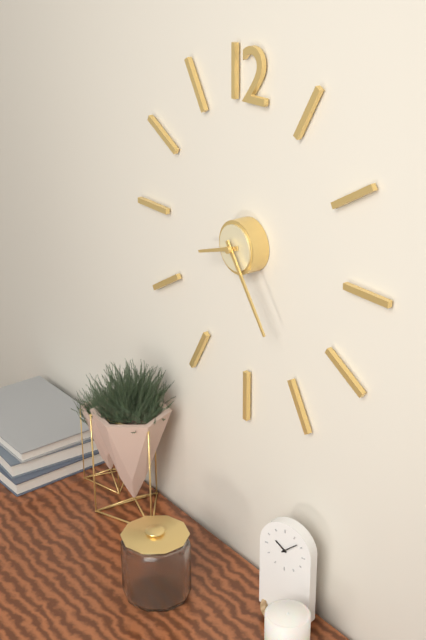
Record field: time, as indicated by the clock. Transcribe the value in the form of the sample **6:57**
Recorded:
**8:24**
